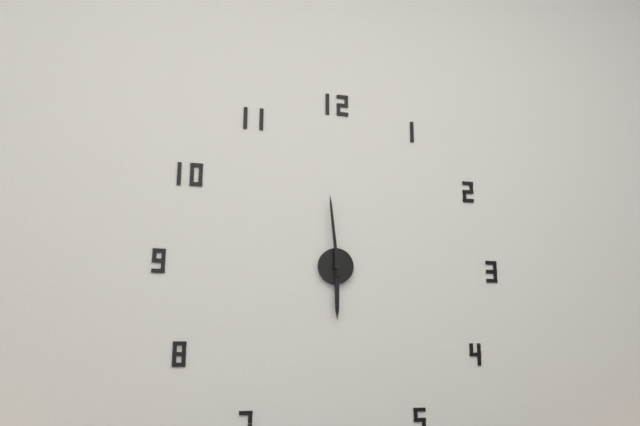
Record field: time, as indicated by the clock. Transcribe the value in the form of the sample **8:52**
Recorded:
**5:59**
